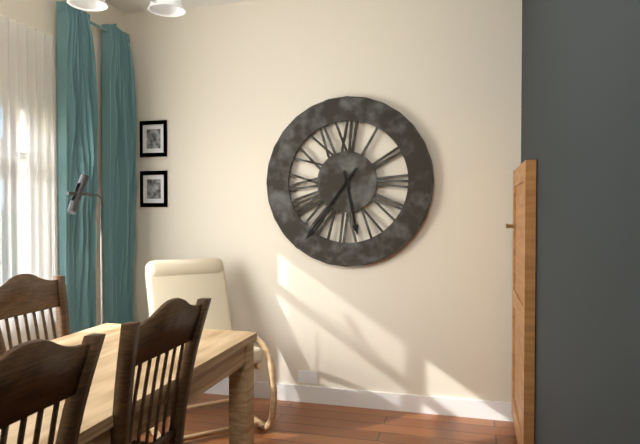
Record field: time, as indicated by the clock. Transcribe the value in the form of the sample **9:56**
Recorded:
**5:36**
